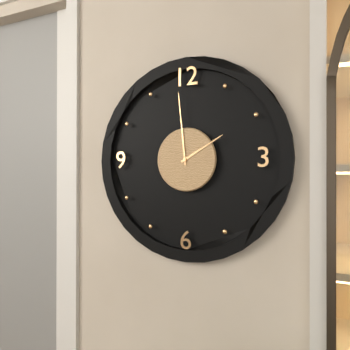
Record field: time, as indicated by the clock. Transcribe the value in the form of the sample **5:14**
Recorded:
**1:59**
